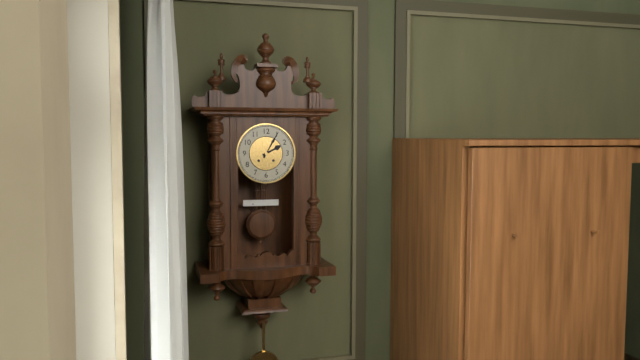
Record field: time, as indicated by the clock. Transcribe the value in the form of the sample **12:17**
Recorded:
**2:05**
